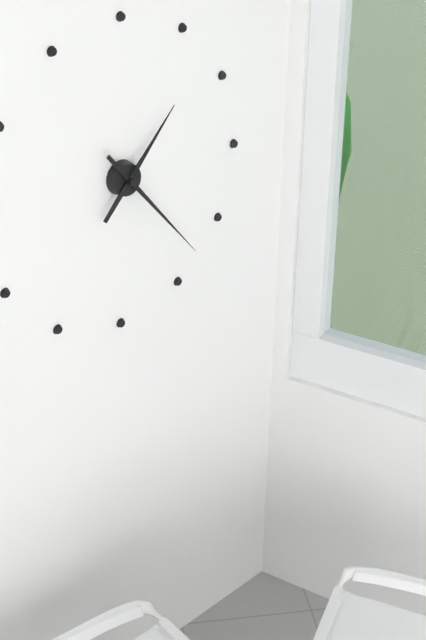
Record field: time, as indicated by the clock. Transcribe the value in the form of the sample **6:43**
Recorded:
**1:23**
